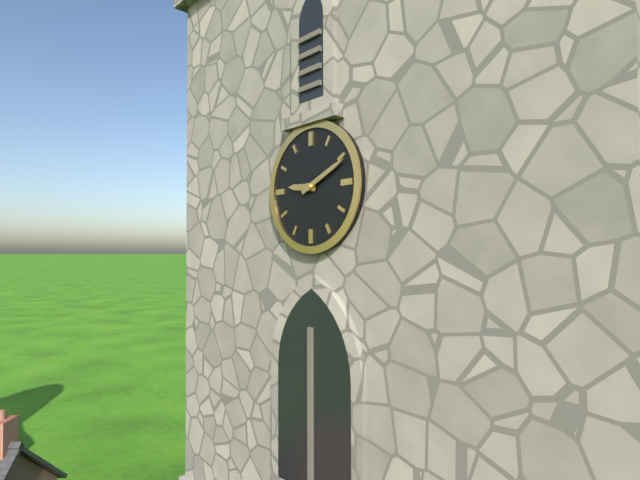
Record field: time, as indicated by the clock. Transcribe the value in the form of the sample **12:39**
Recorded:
**9:11**
